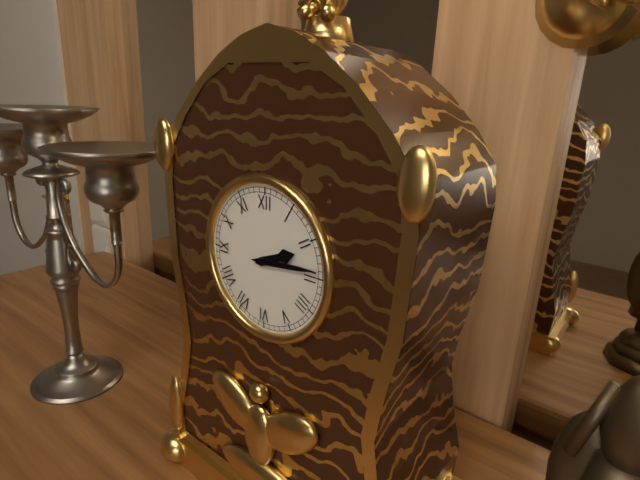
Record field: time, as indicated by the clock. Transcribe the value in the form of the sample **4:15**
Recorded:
**2:14**
